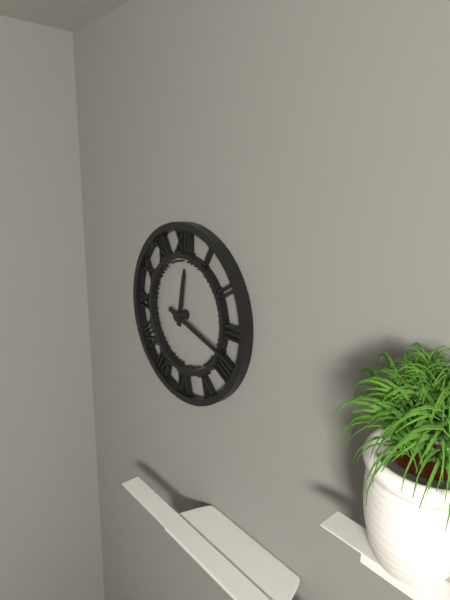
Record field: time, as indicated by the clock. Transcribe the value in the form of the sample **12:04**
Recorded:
**12:18**
